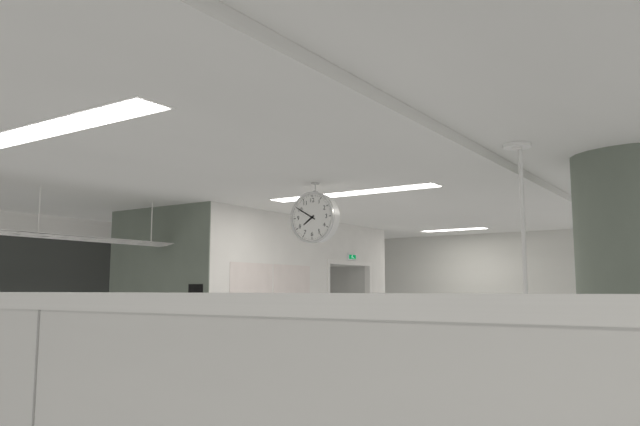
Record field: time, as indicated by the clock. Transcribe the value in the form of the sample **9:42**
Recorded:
**7:50**
